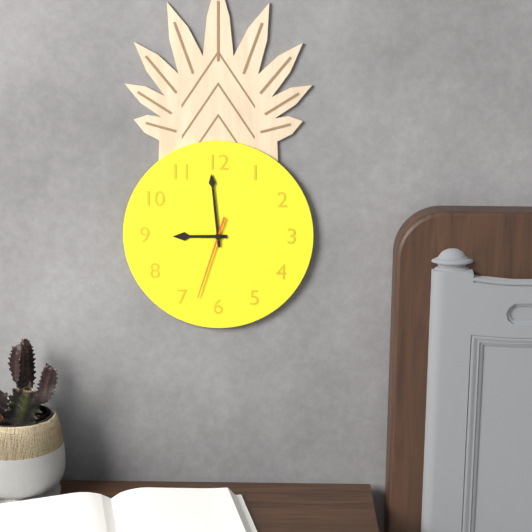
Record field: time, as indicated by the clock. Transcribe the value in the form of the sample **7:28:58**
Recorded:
**8:59:33**
